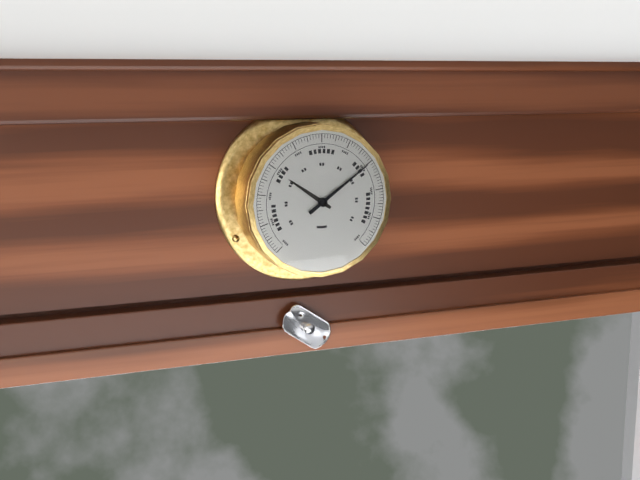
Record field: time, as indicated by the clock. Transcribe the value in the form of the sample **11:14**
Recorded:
**10:09**
